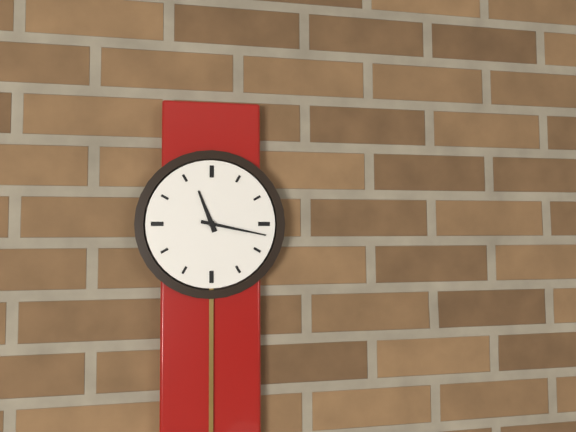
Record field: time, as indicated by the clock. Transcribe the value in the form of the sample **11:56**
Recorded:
**11:17**
